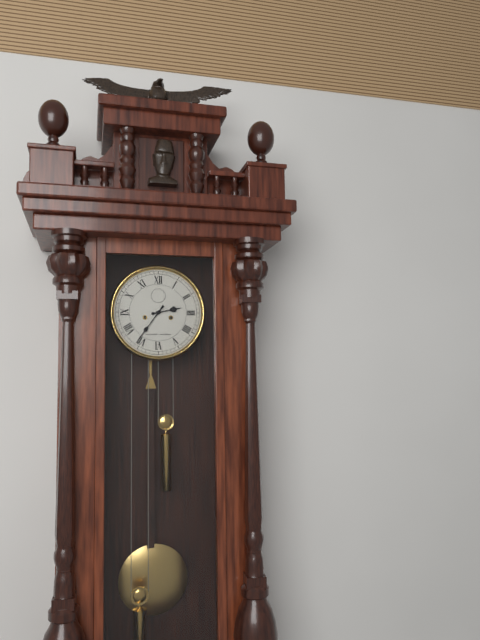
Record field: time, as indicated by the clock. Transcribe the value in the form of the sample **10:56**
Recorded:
**2:36**
